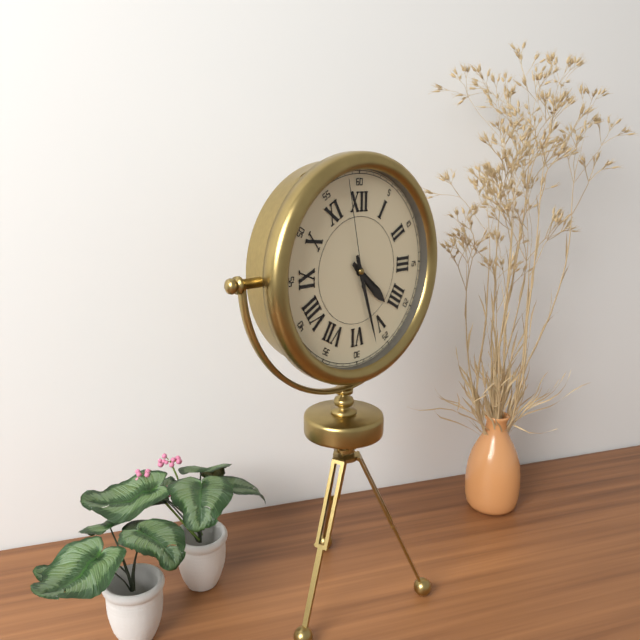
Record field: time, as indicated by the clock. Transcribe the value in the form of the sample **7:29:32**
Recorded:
**4:27:58**
